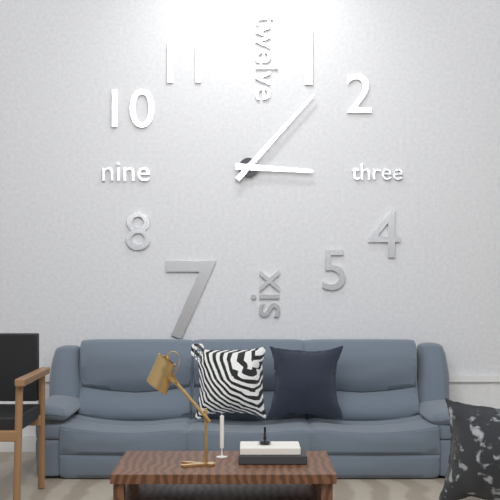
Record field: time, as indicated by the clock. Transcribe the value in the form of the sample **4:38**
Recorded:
**3:07**
